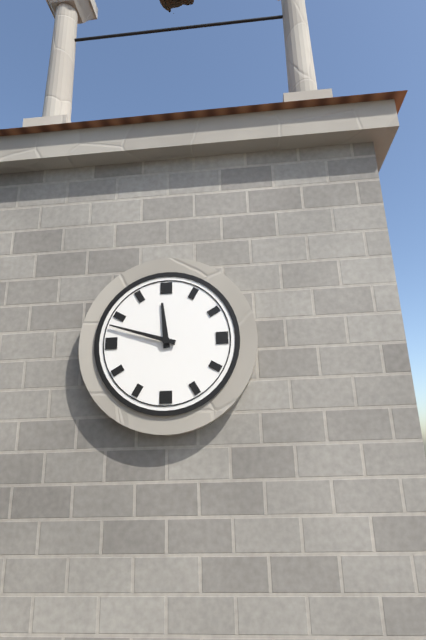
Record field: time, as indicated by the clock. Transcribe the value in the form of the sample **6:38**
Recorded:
**11:48**
